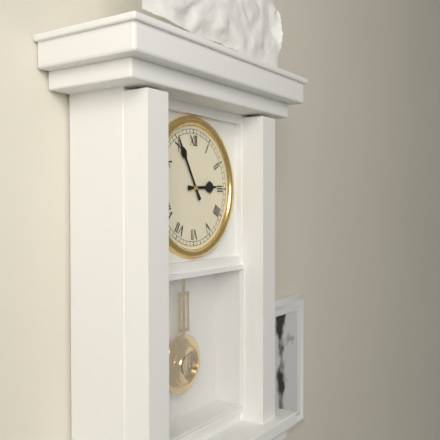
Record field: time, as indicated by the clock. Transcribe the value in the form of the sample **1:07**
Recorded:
**2:55**
